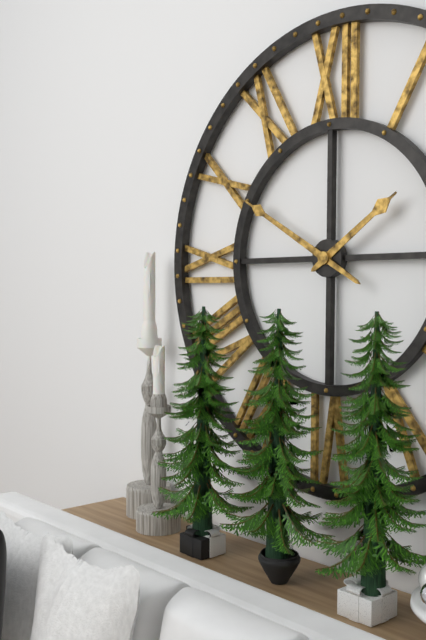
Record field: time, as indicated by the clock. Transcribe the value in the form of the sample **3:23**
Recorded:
**1:50**
